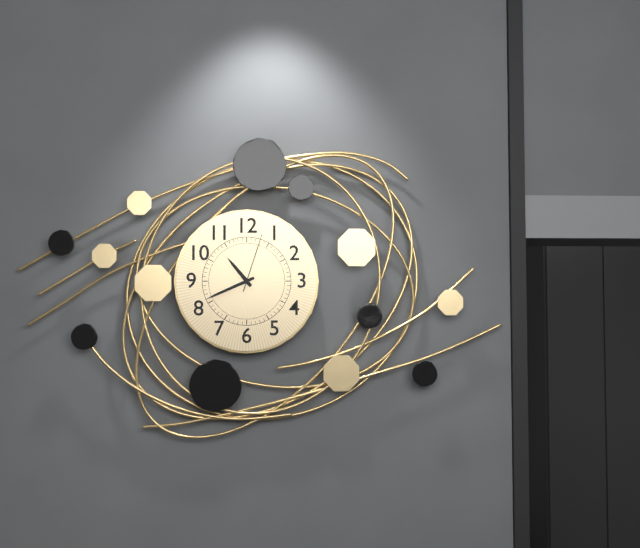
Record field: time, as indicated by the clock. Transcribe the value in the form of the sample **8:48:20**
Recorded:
**10:41:03**
